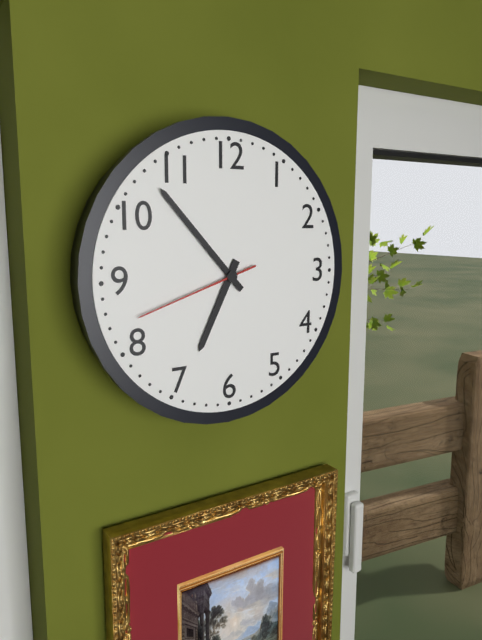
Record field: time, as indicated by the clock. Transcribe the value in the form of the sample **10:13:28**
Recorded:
**6:53:42**
